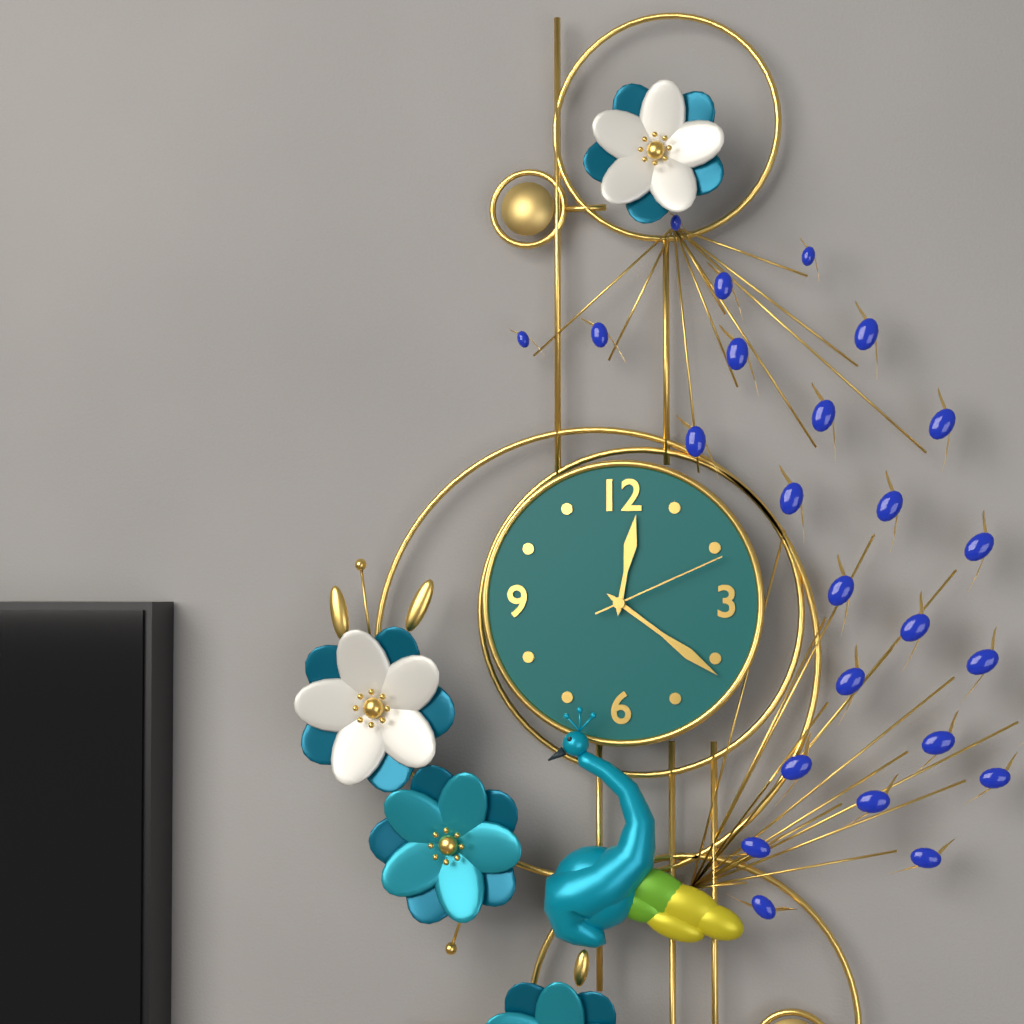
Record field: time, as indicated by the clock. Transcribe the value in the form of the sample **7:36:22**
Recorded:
**12:21:11**
